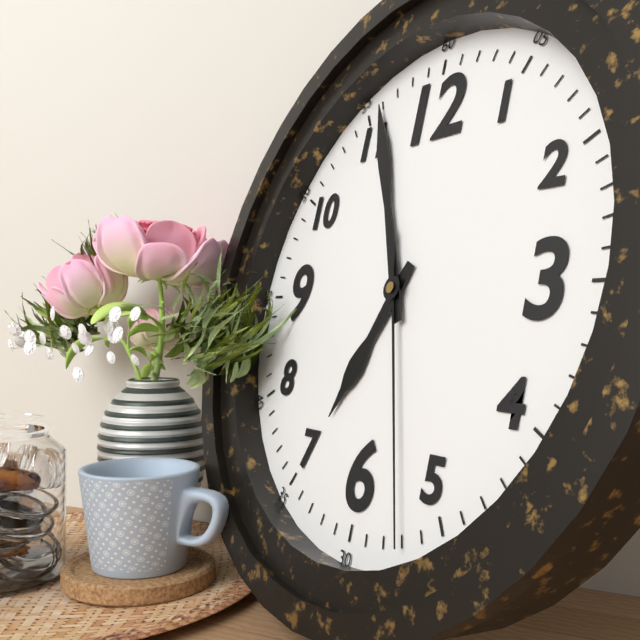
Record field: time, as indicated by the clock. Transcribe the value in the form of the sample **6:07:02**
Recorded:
**6:56:27**
